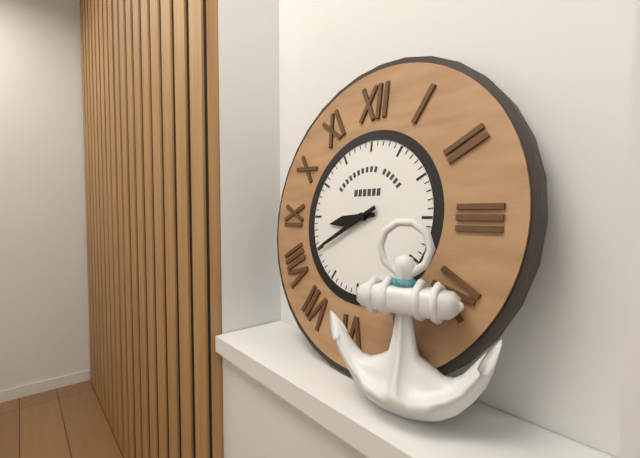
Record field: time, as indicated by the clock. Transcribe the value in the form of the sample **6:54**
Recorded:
**8:40**
